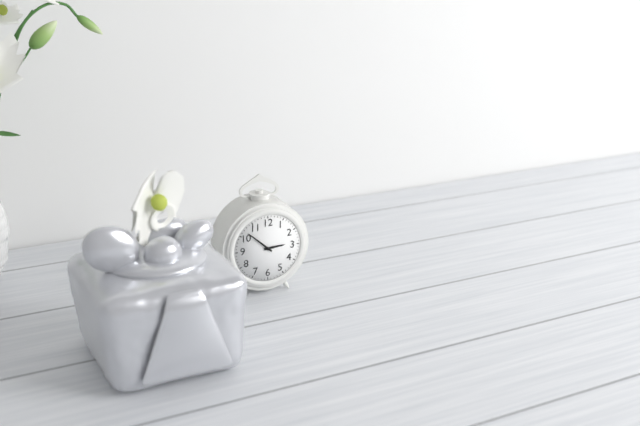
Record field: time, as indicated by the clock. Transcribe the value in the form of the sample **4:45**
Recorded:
**2:52**
